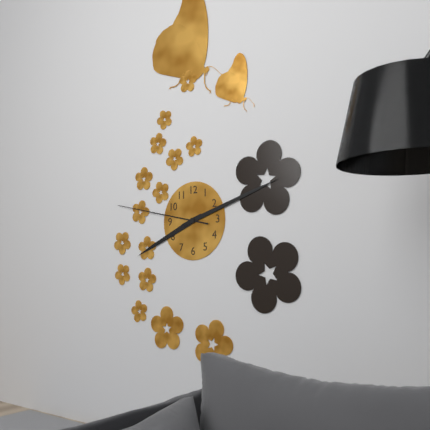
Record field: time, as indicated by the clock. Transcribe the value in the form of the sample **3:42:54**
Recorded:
**8:12:47**
